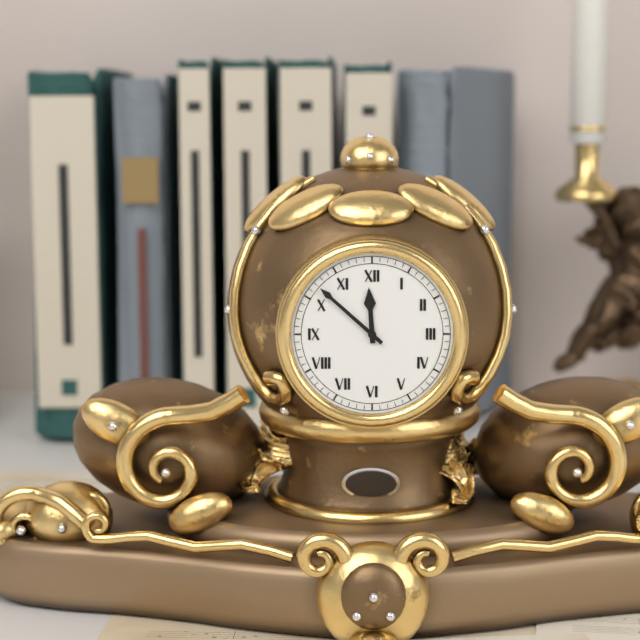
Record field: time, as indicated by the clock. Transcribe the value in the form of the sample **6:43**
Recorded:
**11:52**
